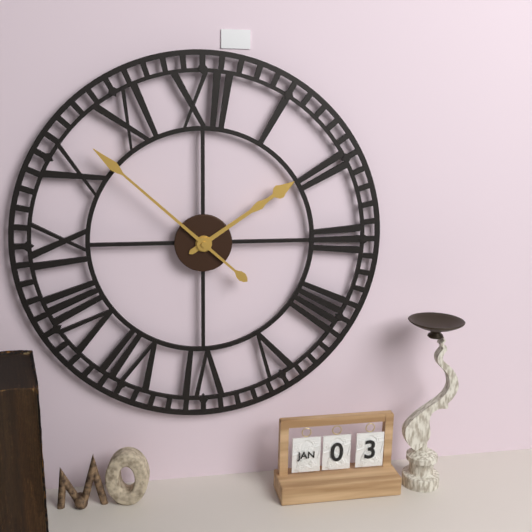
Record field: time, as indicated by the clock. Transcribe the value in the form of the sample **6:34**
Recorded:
**1:52**
